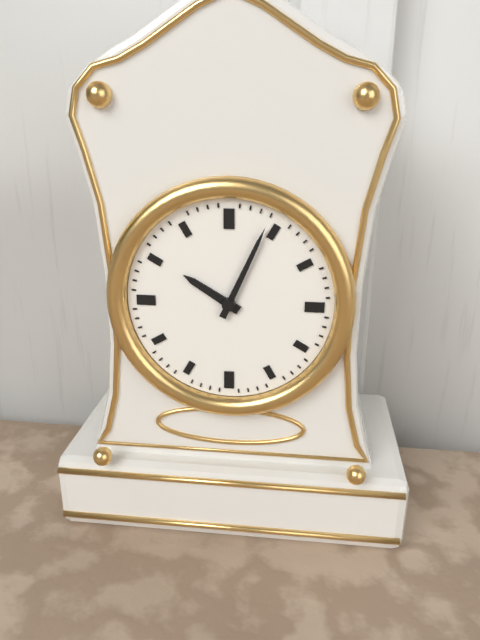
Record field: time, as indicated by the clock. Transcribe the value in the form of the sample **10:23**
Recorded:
**10:04**
